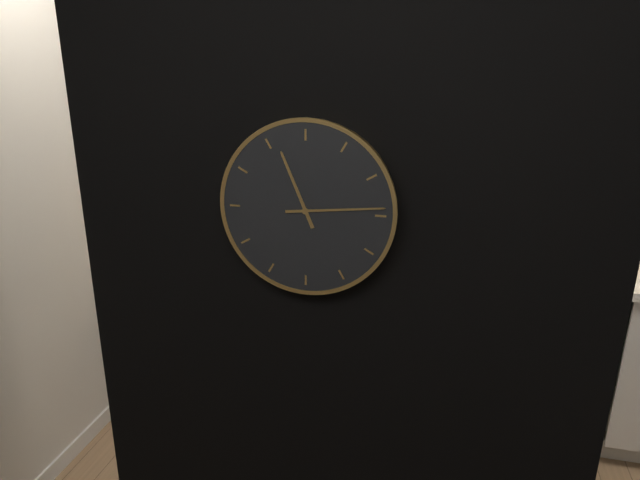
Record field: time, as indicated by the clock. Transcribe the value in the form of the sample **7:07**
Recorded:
**11:14**
